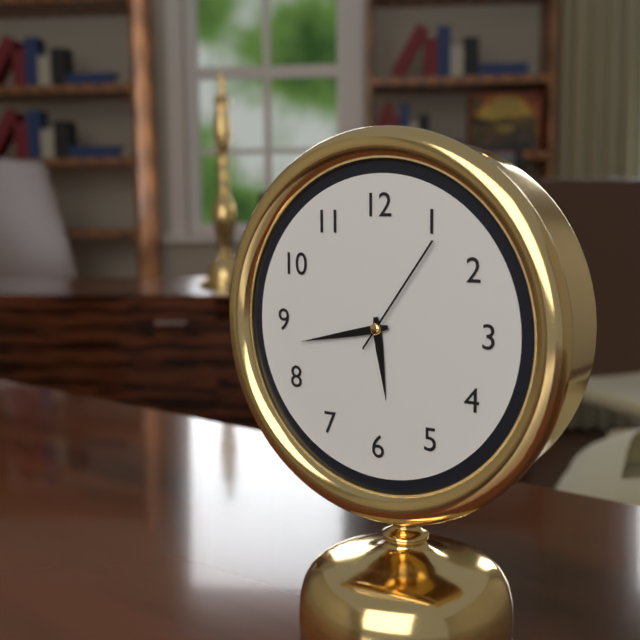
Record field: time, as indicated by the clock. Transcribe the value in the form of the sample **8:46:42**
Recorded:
**5:43:06**
